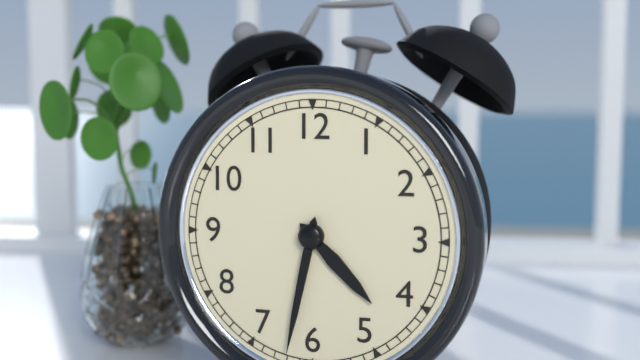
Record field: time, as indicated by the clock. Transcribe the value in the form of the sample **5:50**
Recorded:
**4:32**
